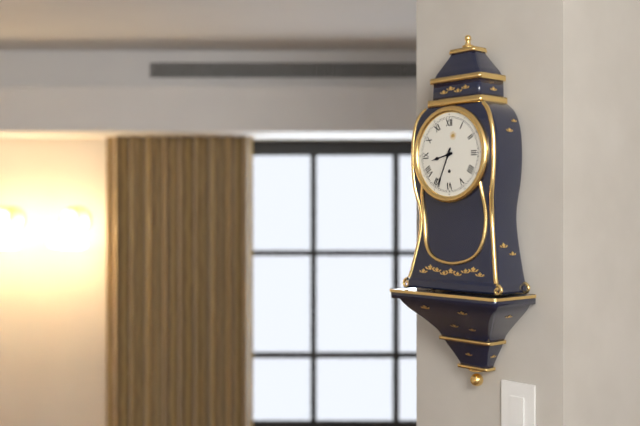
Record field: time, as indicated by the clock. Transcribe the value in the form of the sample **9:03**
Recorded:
**8:34**
